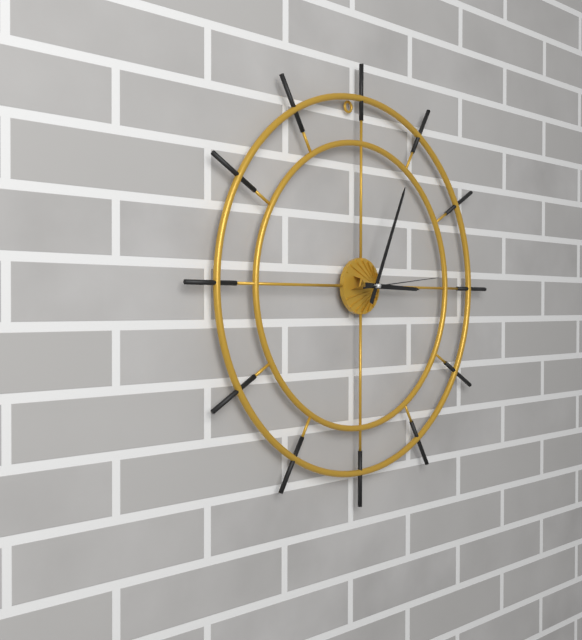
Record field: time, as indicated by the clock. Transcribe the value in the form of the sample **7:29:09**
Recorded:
**3:04:14**
